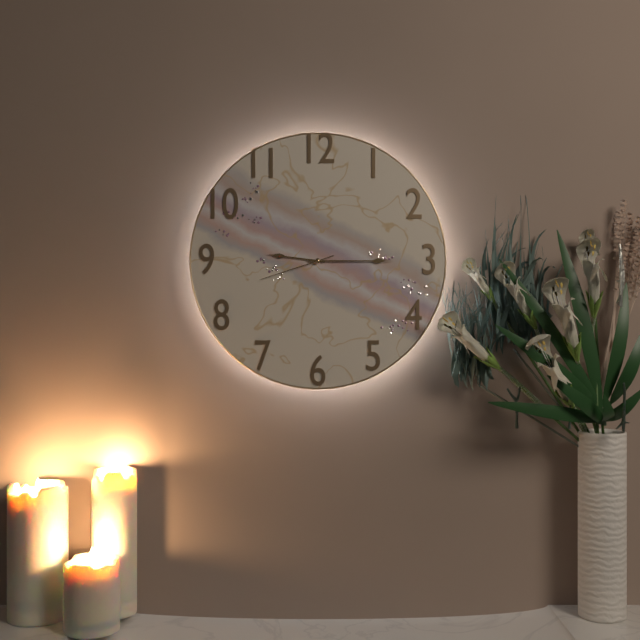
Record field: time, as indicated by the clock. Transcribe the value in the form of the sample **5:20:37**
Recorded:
**9:15:42**
